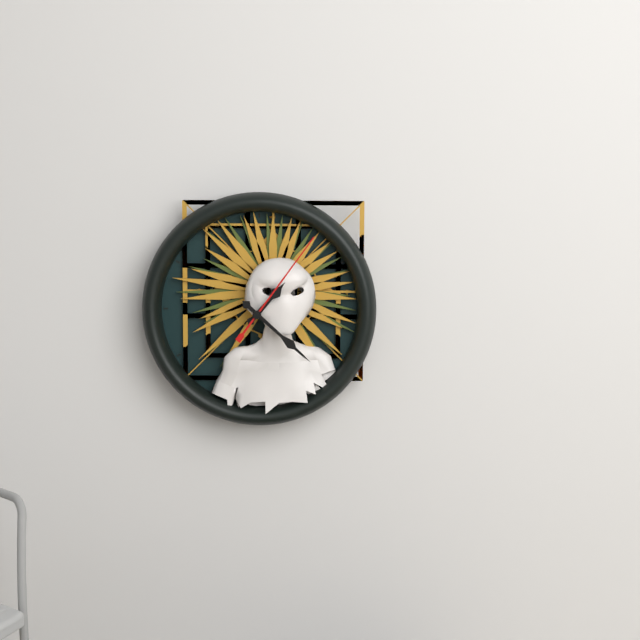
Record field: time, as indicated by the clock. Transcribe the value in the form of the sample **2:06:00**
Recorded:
**1:22:06**
